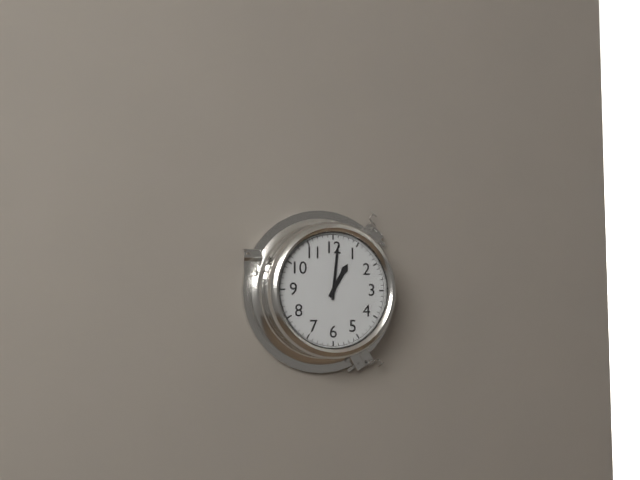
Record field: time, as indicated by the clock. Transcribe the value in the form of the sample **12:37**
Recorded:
**1:01**
